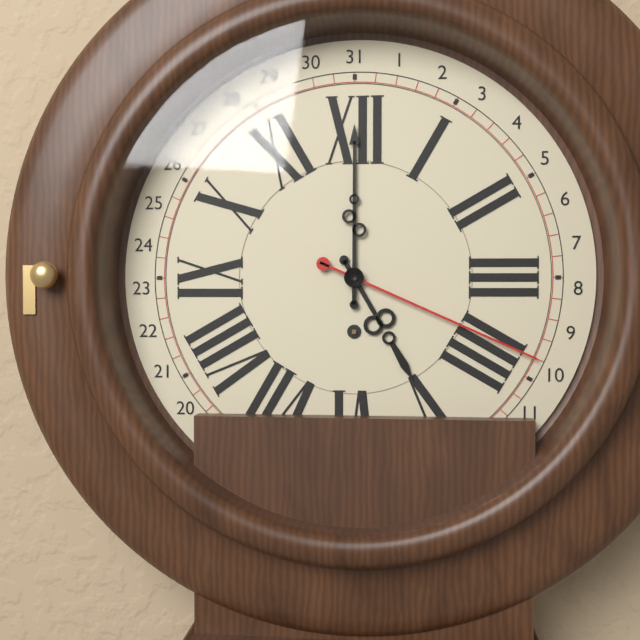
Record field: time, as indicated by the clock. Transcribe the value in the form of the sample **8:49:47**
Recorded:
**5:00:19**
